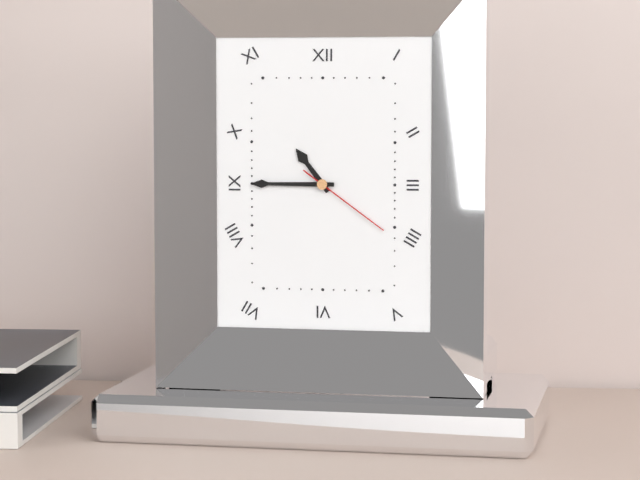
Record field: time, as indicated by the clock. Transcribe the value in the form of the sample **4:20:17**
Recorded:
**10:45:21**
